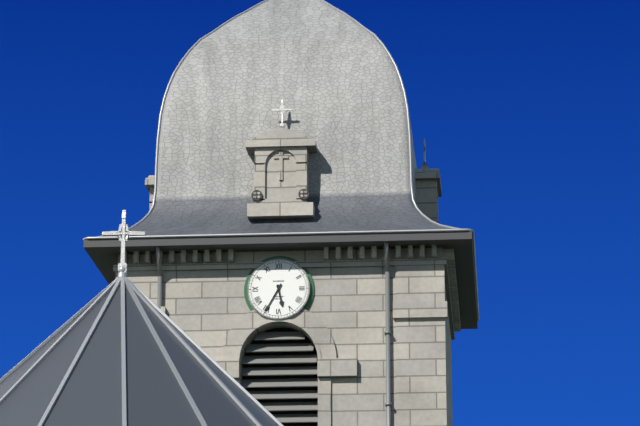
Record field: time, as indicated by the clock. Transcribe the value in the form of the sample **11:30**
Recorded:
**5:35**
